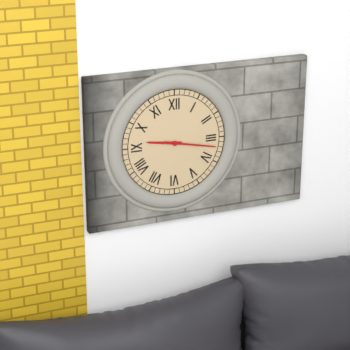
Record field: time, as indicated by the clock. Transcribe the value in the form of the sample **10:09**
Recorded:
**9:17**
